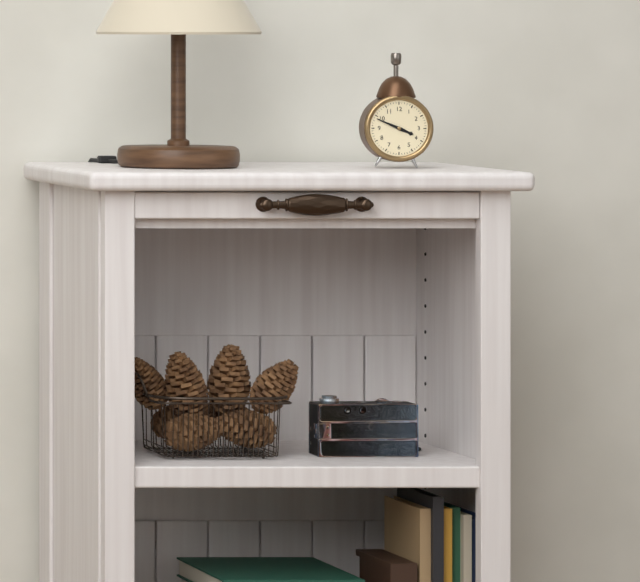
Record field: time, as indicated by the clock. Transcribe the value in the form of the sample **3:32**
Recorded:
**3:49**
